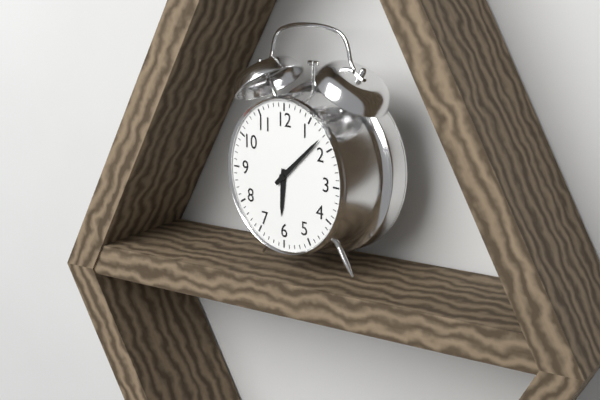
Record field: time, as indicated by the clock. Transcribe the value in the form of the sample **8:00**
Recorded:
**6:08**
